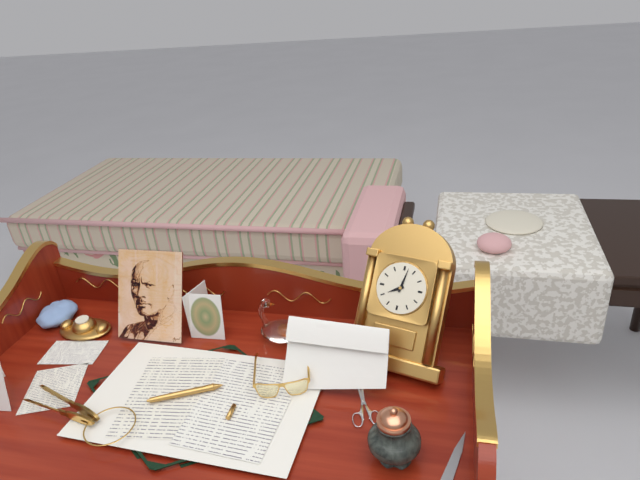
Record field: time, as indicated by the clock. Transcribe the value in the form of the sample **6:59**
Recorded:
**8:02**
